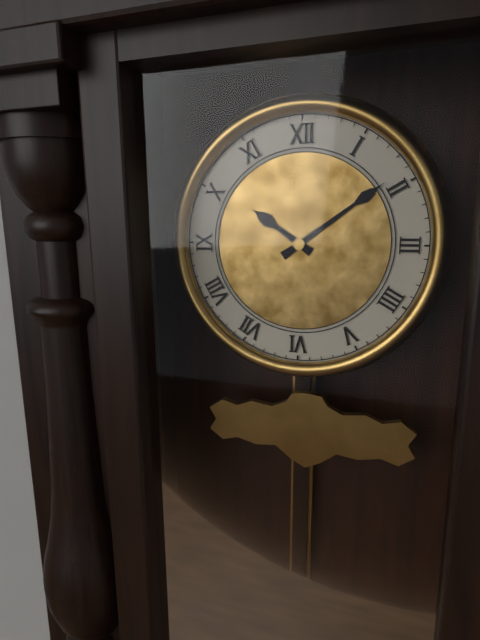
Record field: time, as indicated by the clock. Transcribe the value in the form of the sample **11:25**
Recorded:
**10:09**
